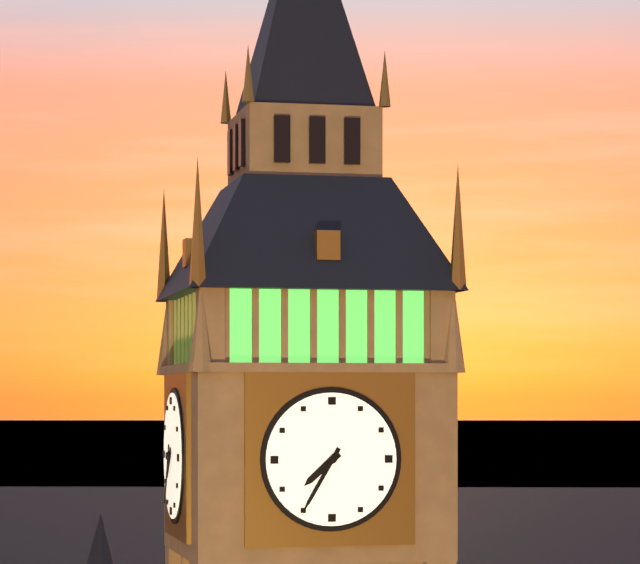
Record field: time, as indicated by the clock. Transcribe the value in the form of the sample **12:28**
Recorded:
**7:35**
